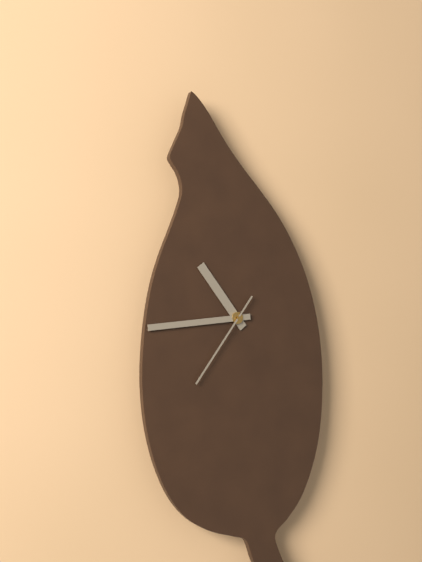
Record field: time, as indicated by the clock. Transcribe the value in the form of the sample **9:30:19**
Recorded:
**10:44:36**
